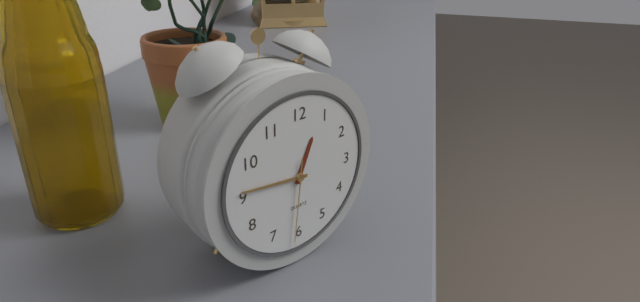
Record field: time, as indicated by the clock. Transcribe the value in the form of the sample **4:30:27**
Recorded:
**12:46:31**
